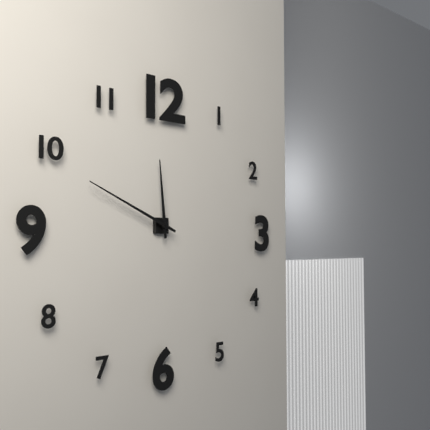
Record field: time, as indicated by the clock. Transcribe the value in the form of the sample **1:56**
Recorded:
**11:49**
